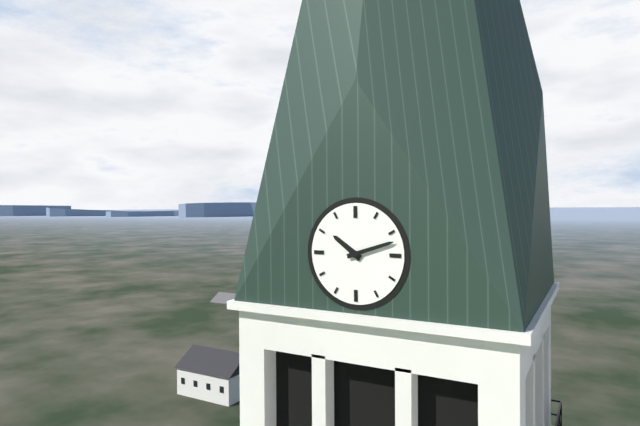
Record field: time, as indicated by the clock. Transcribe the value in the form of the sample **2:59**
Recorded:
**10:12**
